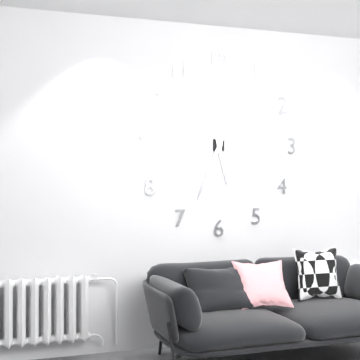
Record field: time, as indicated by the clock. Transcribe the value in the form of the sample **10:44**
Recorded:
**5:34**
